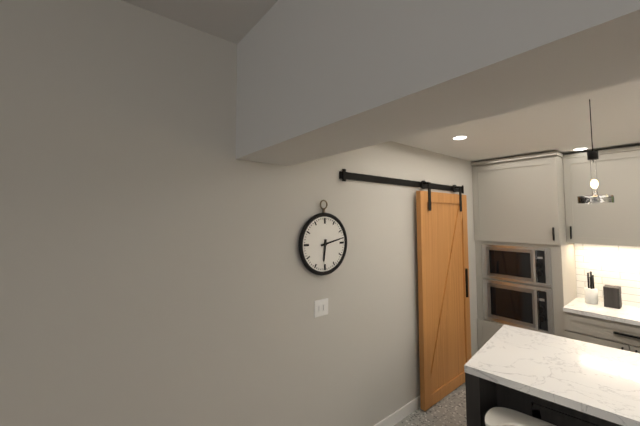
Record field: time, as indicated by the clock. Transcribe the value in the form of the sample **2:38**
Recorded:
**6:13**
